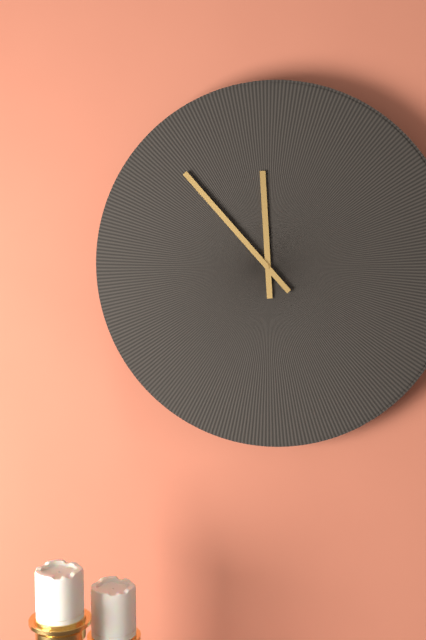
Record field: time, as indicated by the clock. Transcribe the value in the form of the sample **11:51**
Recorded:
**11:53**
